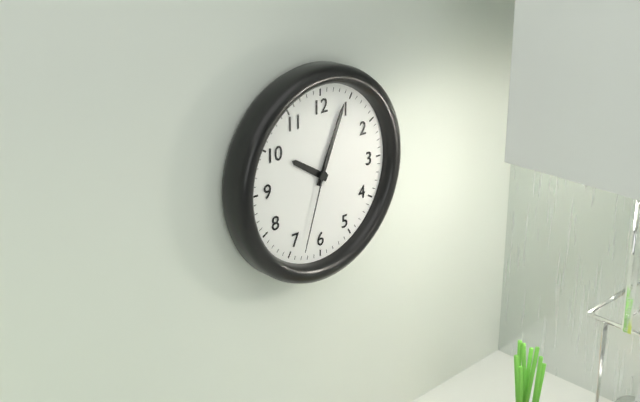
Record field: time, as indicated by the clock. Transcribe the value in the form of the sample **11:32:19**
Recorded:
**10:04:33**
